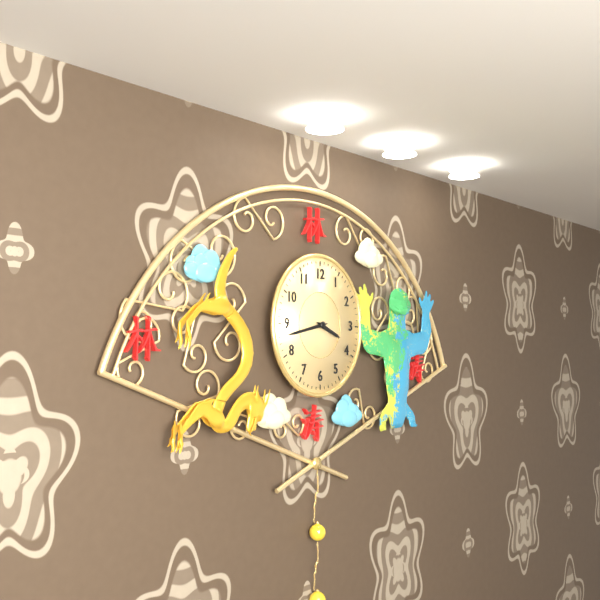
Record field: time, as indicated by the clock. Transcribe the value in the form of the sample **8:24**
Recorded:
**3:43**
